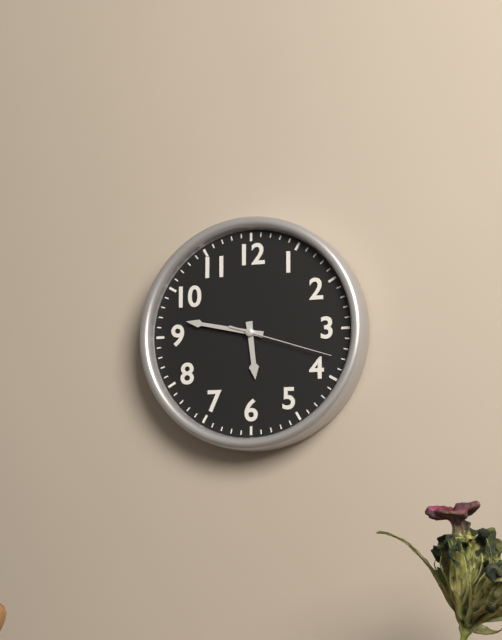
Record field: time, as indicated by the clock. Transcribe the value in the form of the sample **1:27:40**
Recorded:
**5:47:18**
